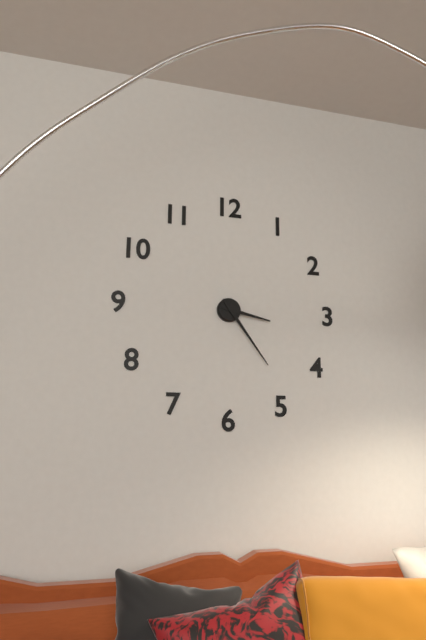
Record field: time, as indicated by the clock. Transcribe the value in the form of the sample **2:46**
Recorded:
**3:24**
